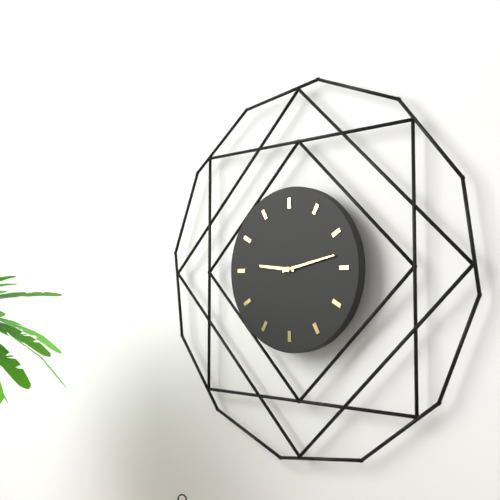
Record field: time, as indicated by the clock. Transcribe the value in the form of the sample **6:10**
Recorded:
**9:13**
